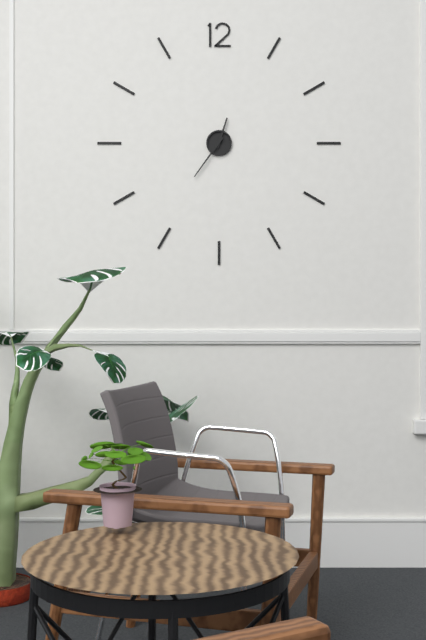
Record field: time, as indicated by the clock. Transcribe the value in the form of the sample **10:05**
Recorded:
**12:36**
